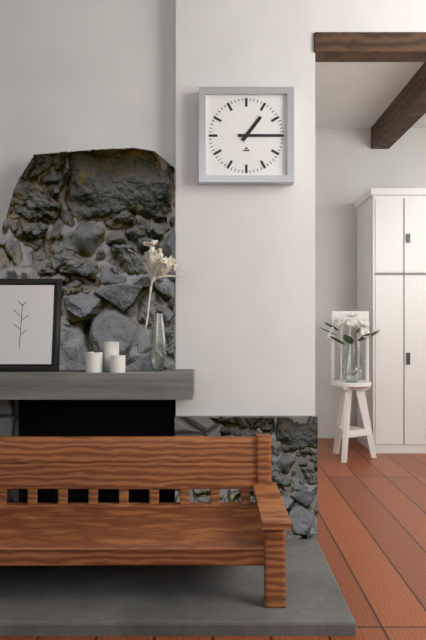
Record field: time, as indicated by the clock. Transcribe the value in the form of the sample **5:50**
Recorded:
**1:15**
